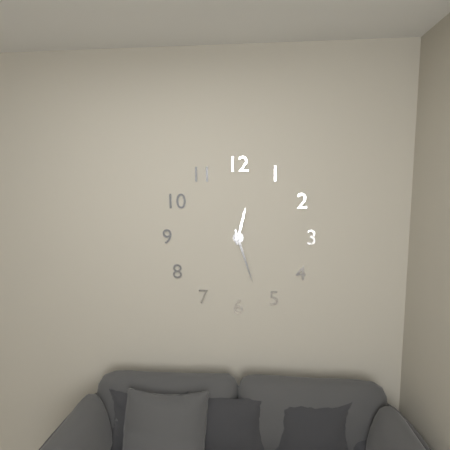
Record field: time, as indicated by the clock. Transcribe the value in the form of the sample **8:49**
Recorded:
**12:27**
